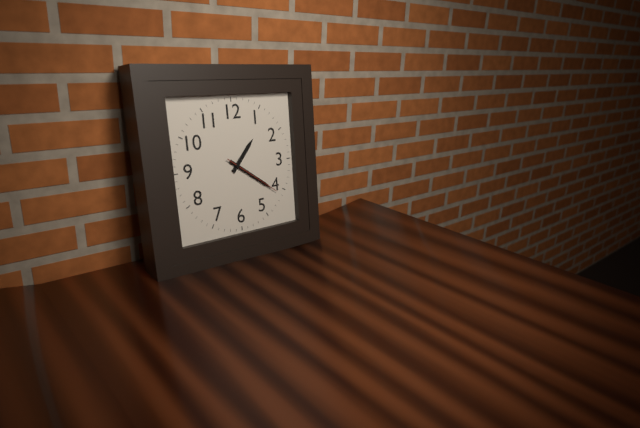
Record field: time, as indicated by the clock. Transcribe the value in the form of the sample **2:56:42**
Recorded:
**1:21:21**
